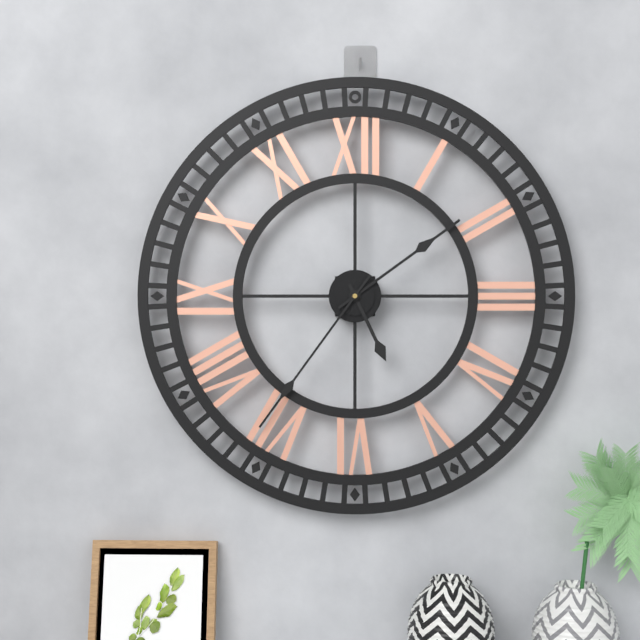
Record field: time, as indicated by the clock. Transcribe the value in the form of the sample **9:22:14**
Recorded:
**5:09:36**
